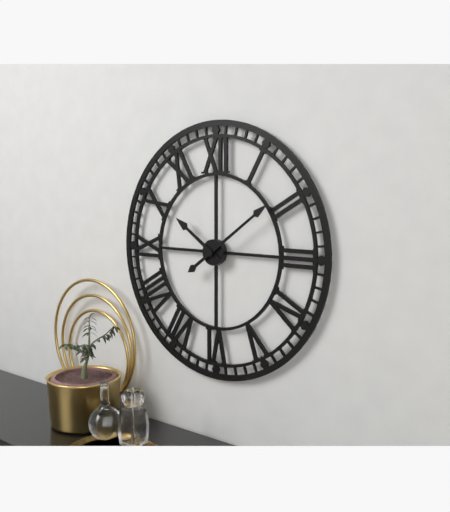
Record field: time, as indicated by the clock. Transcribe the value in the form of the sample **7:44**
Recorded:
**10:09**
